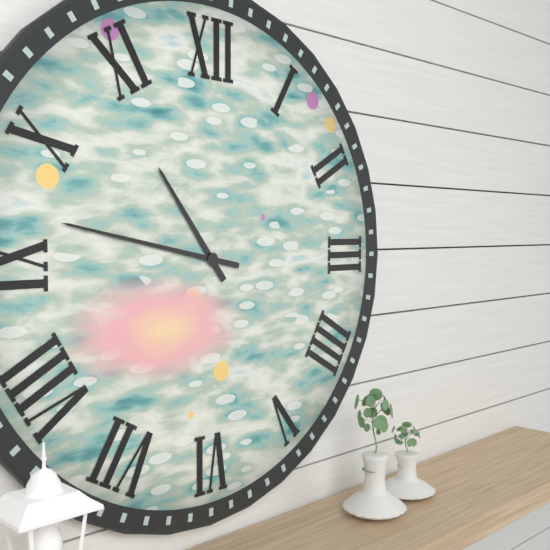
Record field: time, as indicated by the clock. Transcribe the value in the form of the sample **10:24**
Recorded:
**10:47**
